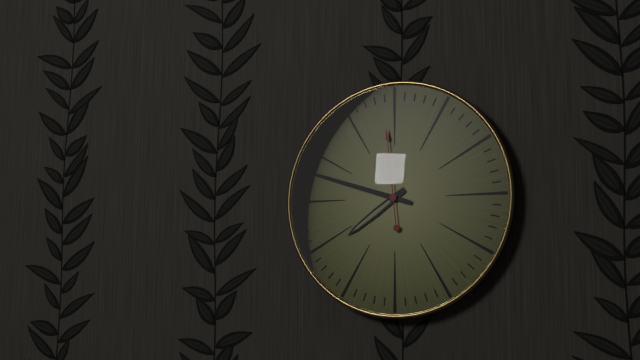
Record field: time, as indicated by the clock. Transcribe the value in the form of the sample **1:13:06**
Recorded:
**7:48:59**
